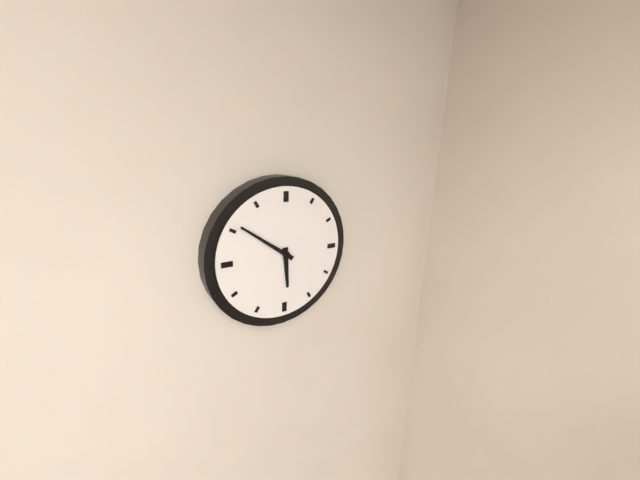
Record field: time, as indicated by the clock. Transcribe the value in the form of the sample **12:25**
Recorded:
**5:51**
